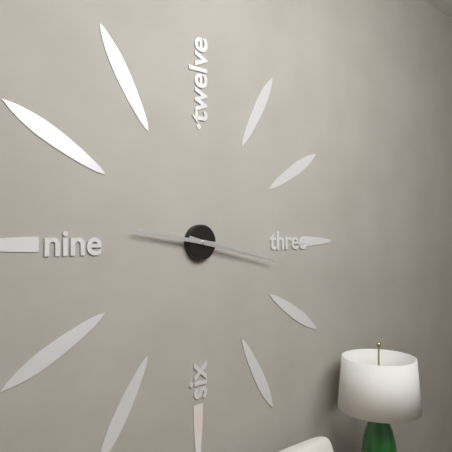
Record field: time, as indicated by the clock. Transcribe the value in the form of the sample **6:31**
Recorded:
**9:17**
